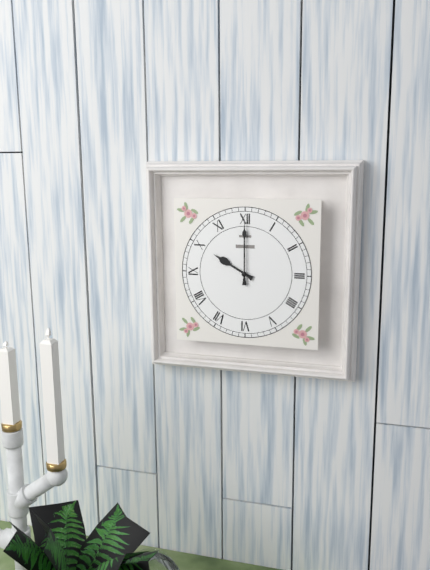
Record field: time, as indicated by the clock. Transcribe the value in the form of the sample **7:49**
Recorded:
**10:00**
